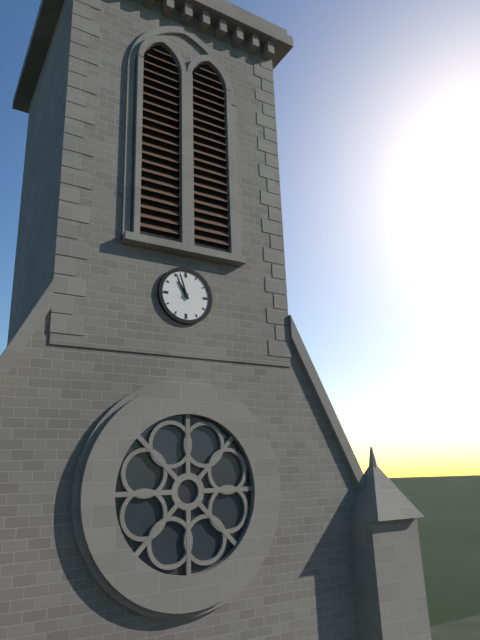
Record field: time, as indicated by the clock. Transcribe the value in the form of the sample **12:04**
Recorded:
**10:57**
